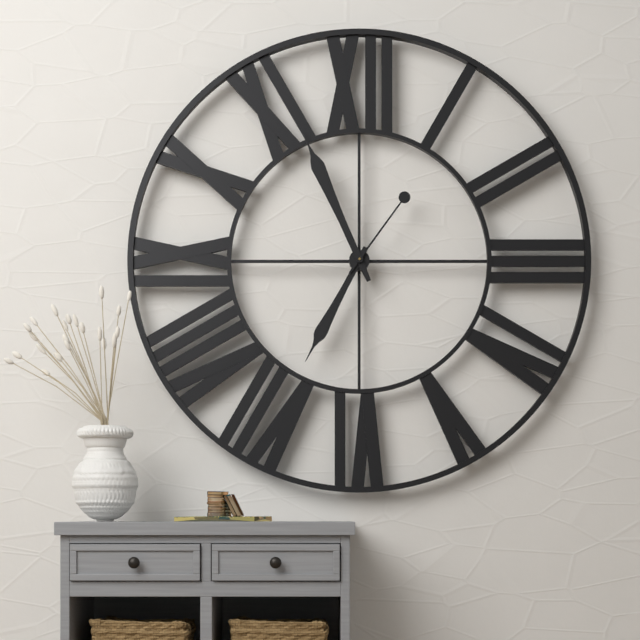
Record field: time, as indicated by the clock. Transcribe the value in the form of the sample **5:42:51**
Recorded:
**6:56:06**
